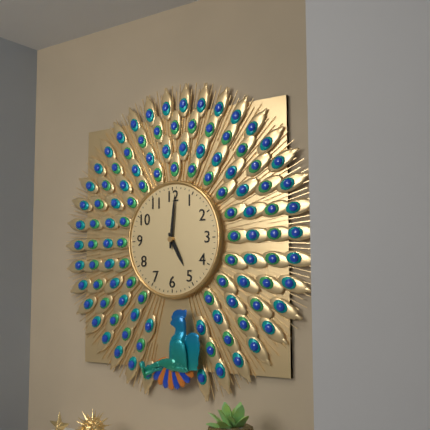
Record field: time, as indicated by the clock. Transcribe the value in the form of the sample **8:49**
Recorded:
**5:01**
